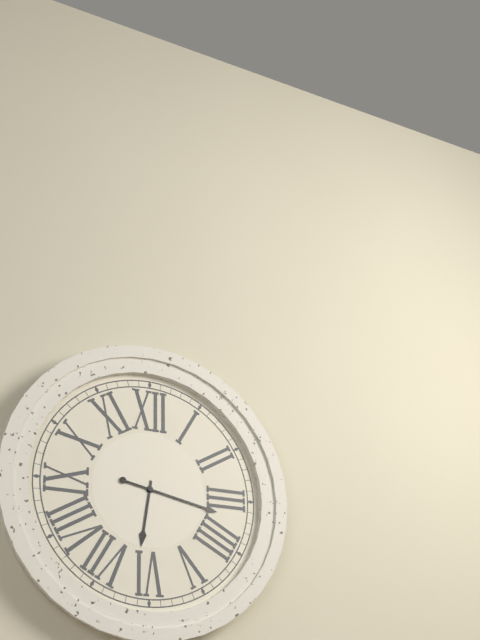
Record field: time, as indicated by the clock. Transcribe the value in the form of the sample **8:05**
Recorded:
**6:17**
